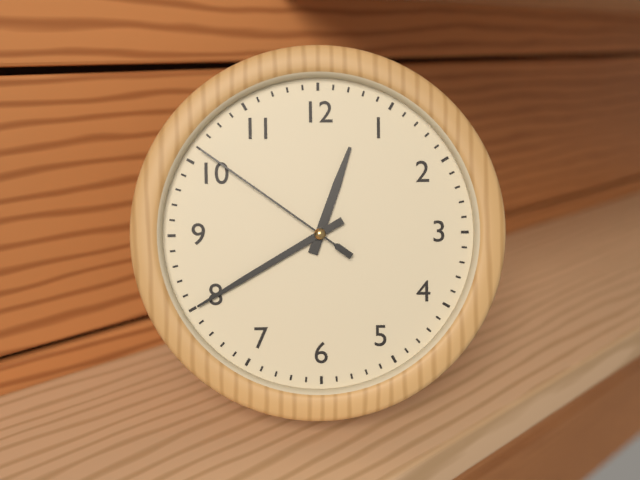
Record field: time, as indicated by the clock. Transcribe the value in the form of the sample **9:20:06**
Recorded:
**12:40:51**
